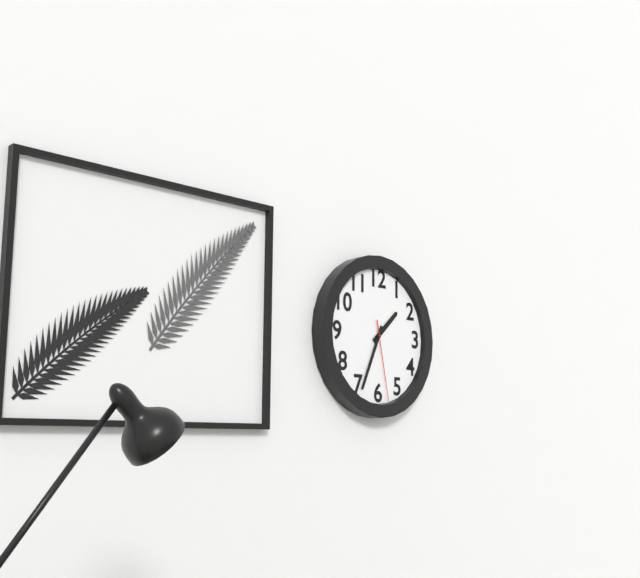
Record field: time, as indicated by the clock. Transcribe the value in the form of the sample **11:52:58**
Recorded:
**1:34:28**
